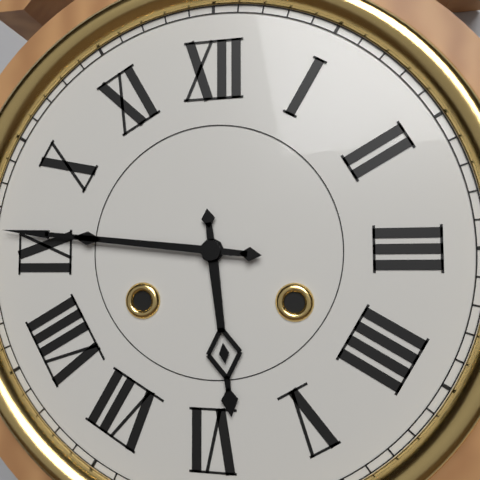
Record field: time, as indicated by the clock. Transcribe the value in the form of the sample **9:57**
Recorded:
**5:46**
